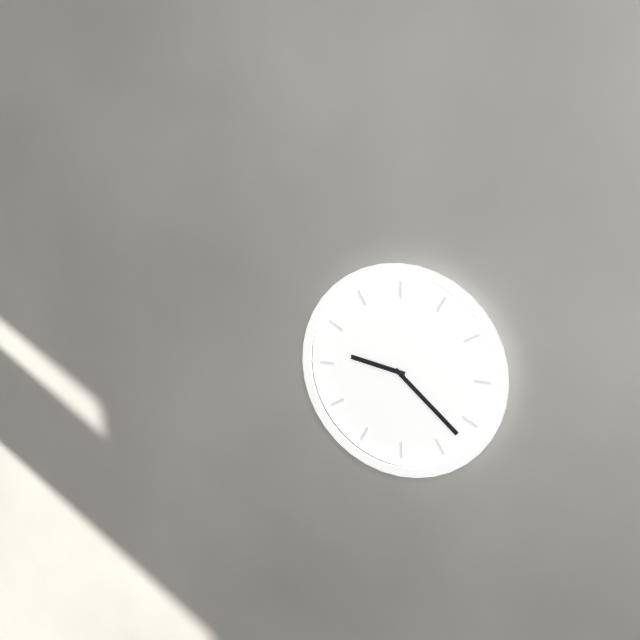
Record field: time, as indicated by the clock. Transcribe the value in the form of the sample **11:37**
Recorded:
**9:22**
